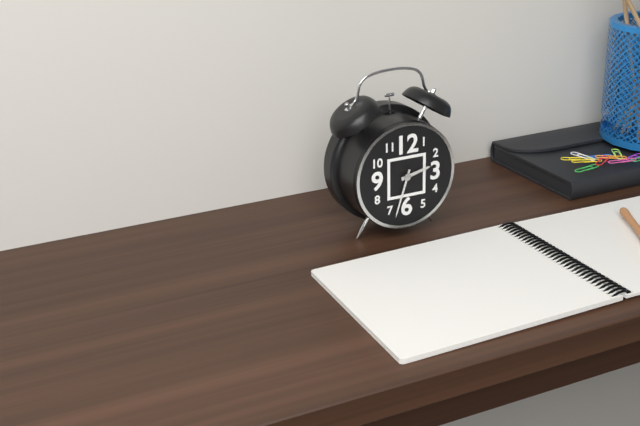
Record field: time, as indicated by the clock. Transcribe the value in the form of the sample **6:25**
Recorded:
**2:33**
